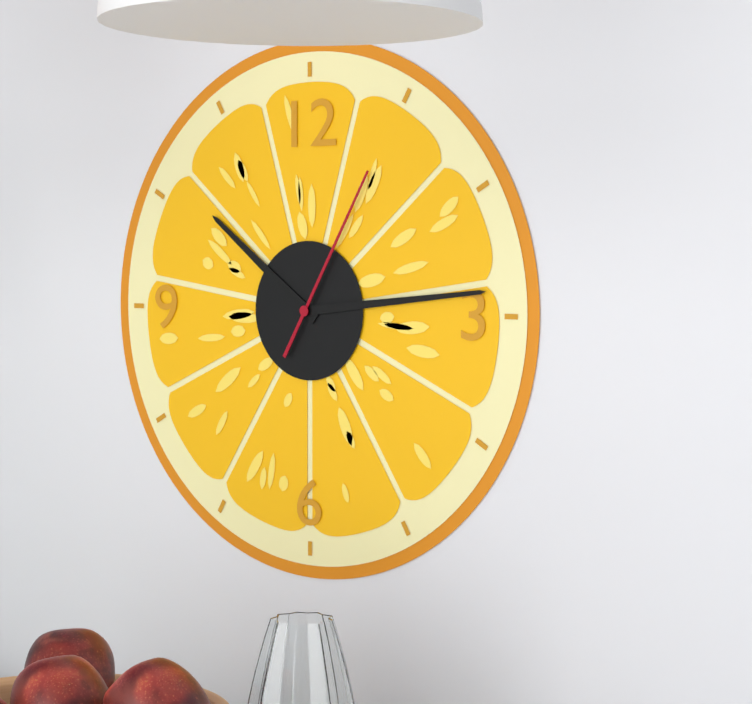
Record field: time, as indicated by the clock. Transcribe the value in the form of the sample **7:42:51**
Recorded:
**10:14:05**
